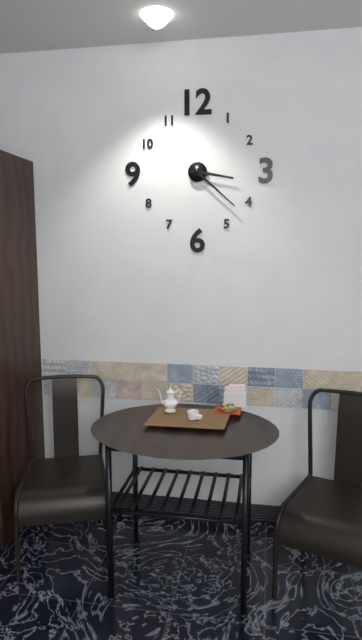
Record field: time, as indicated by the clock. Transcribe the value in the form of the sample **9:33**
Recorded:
**3:22**
